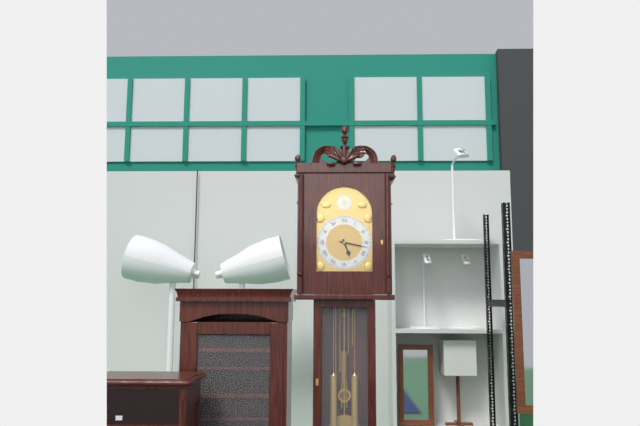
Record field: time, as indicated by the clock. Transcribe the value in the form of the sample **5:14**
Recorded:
**5:17**
